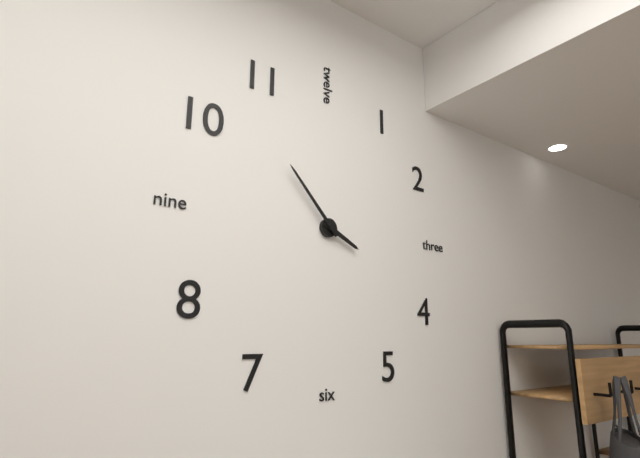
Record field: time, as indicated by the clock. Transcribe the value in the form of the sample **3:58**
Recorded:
**3:53**
